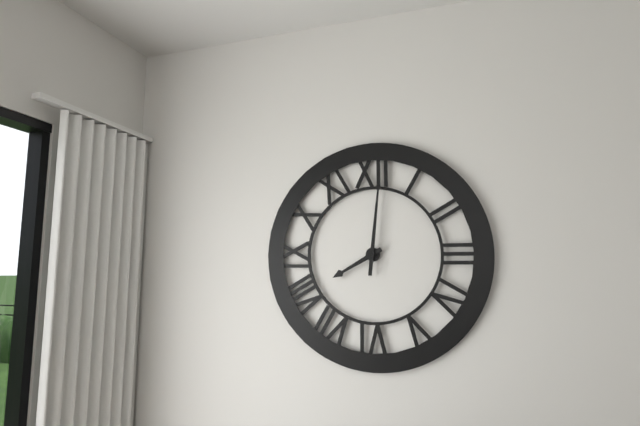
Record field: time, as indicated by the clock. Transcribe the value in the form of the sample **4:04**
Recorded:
**8:01**
